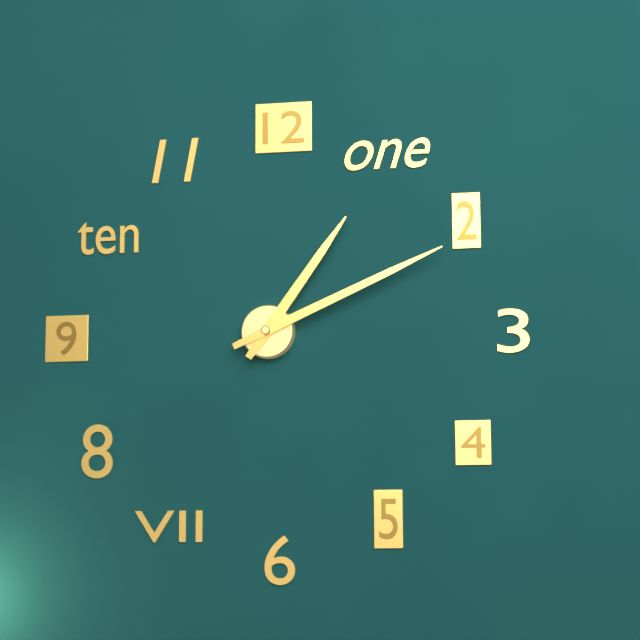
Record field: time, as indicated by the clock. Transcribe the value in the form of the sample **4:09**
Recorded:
**1:11**
